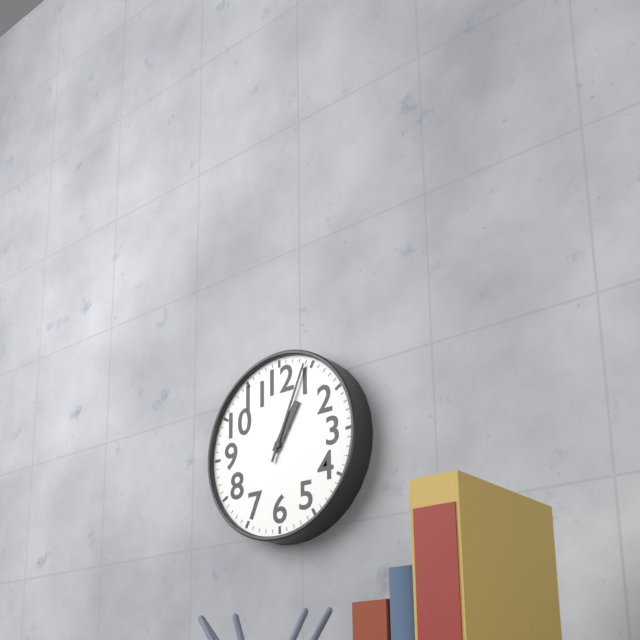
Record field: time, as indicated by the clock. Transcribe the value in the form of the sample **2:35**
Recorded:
**1:04**
